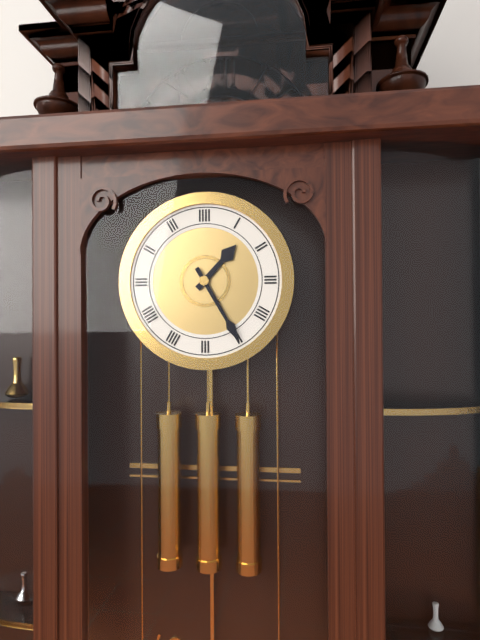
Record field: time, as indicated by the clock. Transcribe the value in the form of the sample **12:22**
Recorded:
**1:25**
